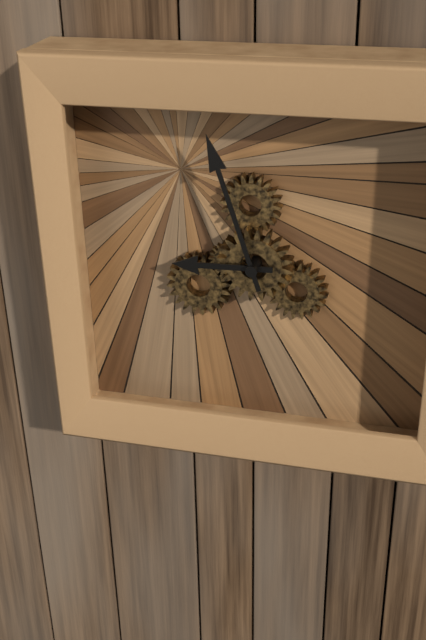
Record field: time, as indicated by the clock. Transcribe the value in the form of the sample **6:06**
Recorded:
**8:57**
